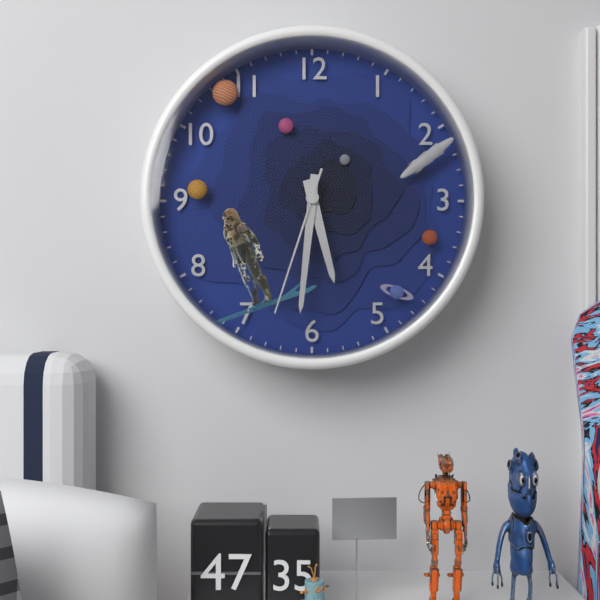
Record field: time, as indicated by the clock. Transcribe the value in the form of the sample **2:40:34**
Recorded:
**5:31:33**
